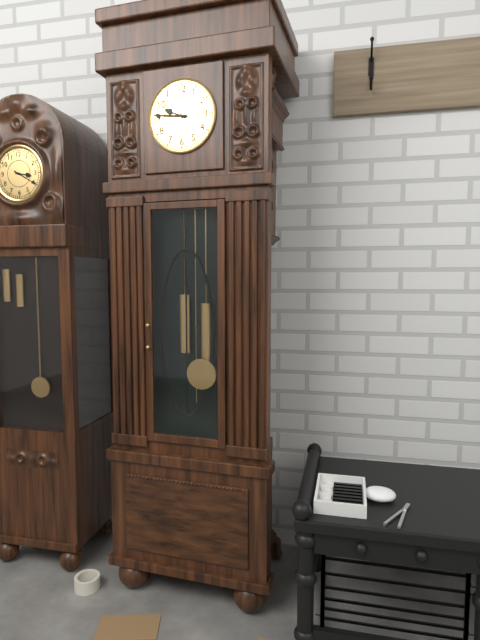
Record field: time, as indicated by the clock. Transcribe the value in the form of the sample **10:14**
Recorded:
**9:46**
